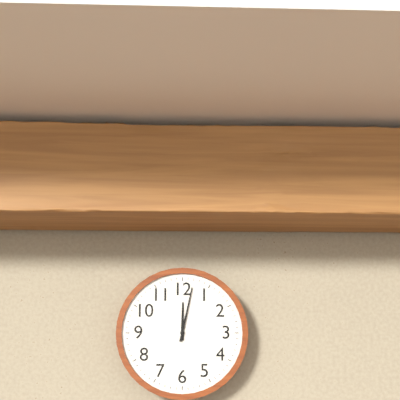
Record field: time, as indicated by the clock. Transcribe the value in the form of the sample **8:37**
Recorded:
**12:02**
